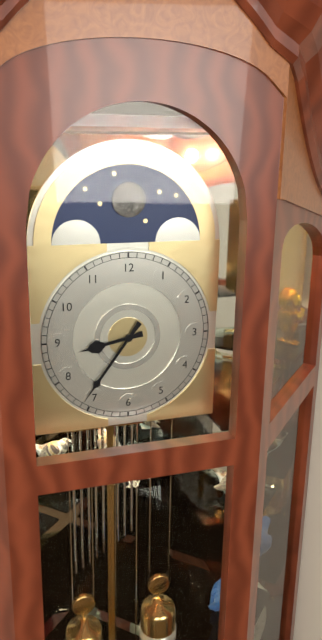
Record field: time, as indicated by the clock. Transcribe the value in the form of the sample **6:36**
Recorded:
**8:36**
